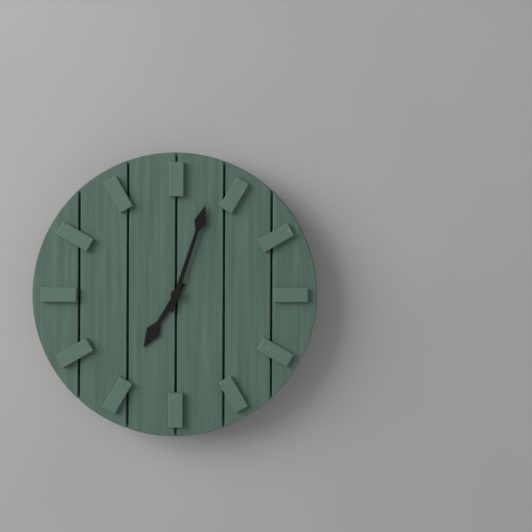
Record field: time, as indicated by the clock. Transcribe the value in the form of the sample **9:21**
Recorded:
**7:03**
